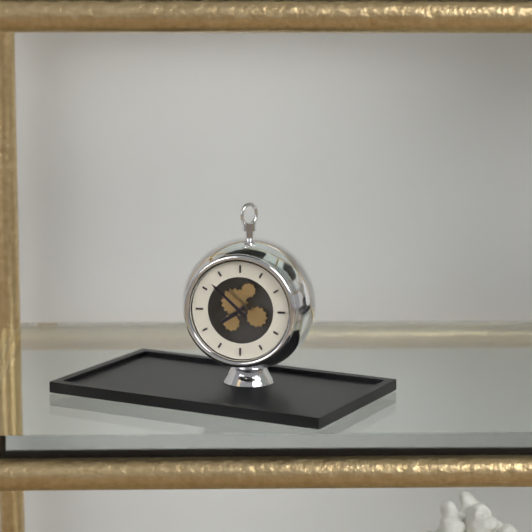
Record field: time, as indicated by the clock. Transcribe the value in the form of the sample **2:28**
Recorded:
**7:52**
